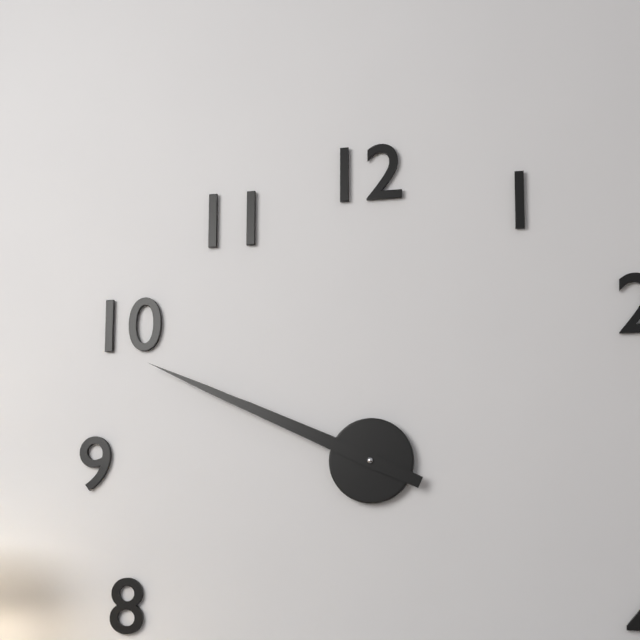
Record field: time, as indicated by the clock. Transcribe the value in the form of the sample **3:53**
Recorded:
**9:49**
